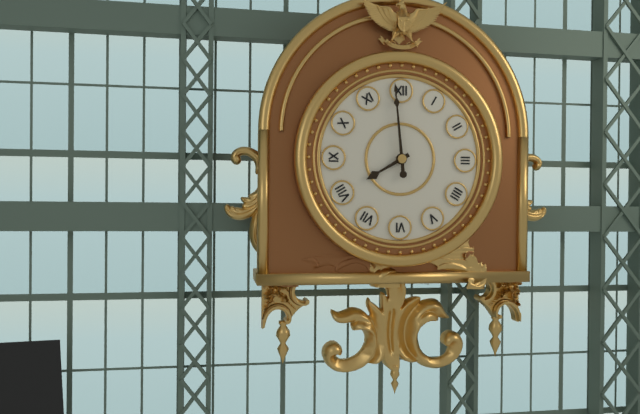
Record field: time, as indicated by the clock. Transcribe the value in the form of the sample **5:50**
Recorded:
**7:59**
